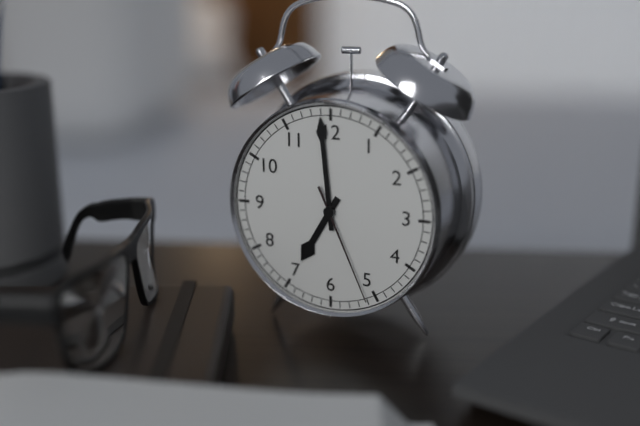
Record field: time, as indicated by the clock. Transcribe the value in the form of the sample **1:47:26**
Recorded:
**6:59:26**
